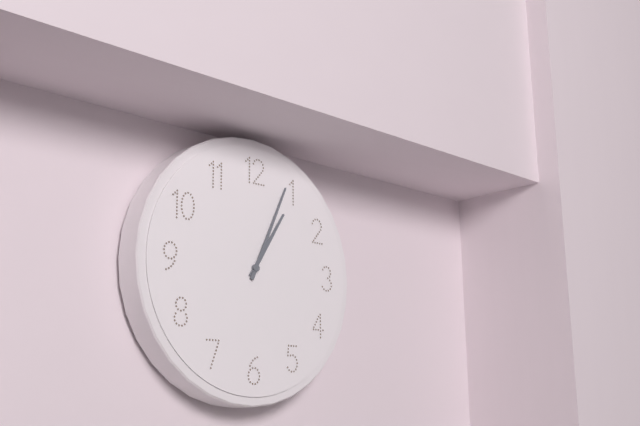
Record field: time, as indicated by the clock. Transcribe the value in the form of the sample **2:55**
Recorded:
**1:04**
